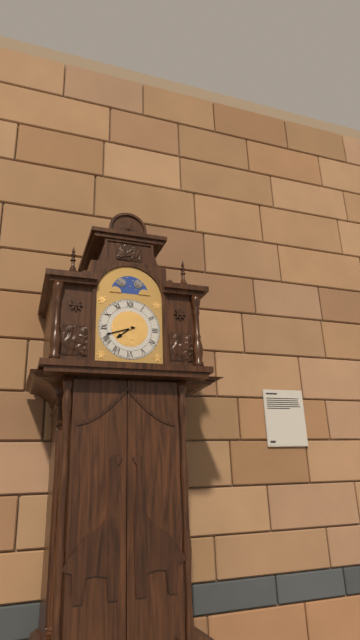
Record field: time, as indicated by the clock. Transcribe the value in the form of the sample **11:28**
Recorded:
**7:42**
